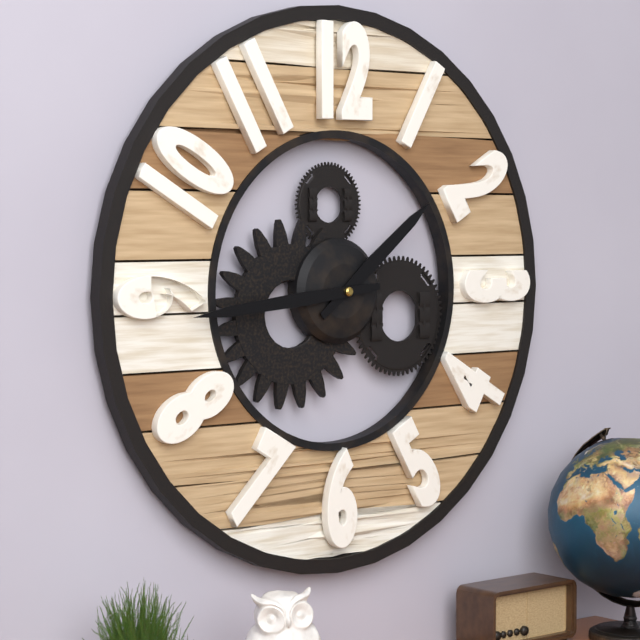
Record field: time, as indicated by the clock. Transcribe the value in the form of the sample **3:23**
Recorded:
**1:44**
